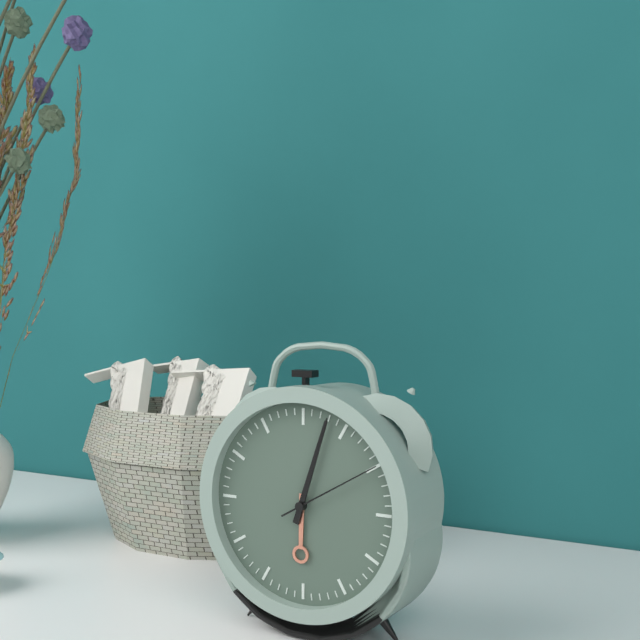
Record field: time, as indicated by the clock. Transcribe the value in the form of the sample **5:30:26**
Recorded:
**6:03:10**
